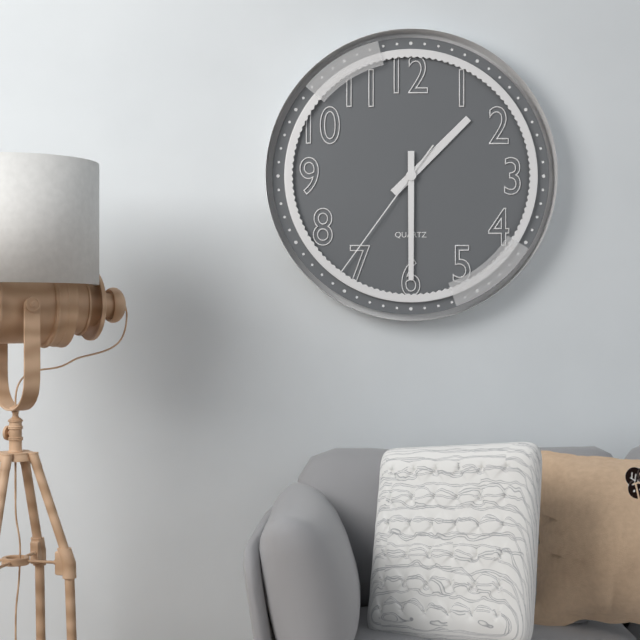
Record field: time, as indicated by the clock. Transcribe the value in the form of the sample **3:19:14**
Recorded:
**1:30:36**
